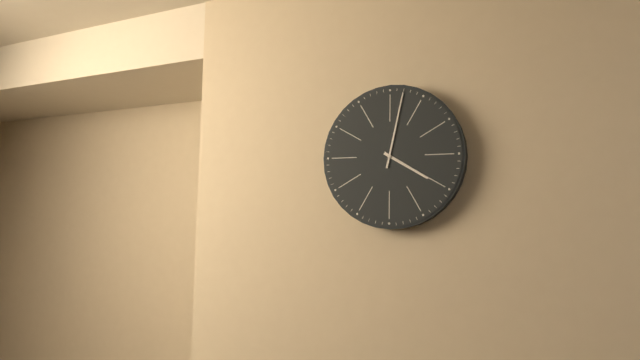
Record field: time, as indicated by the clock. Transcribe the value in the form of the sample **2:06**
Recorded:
**4:02**
